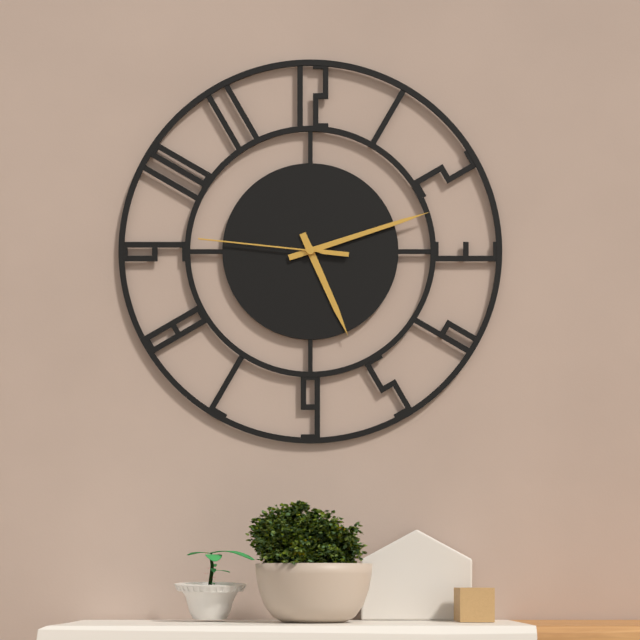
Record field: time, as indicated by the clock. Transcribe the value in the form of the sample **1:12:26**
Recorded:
**5:12:46**
